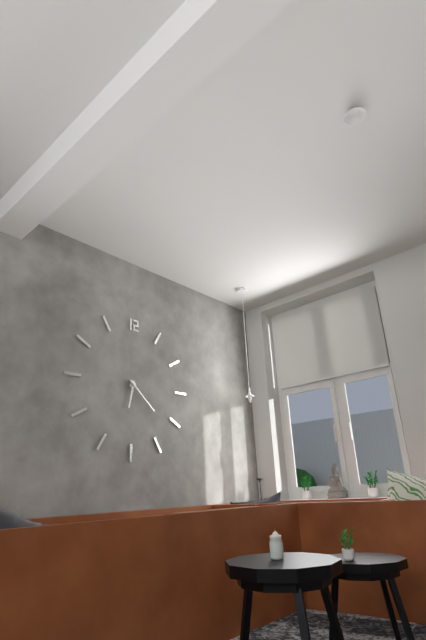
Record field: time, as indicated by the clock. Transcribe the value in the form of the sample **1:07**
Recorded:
**6:22**
